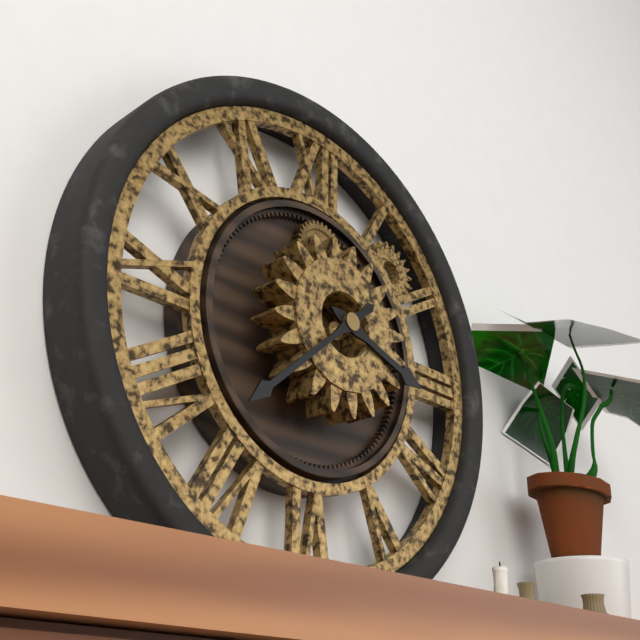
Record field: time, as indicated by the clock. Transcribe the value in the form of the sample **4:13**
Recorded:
**3:38**
